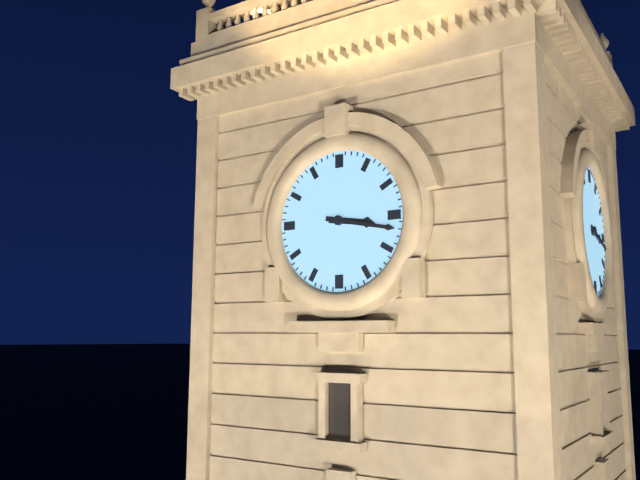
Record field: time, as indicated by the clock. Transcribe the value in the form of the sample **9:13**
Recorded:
**3:17**
